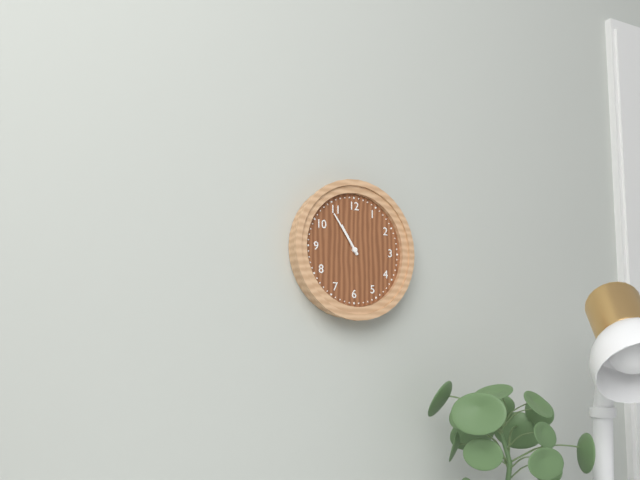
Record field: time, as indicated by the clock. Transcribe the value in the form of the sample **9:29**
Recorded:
**10:54**
